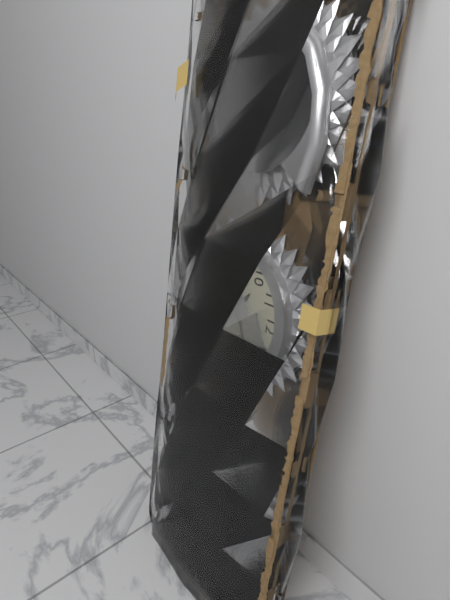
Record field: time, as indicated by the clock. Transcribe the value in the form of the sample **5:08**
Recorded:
**10:10**
